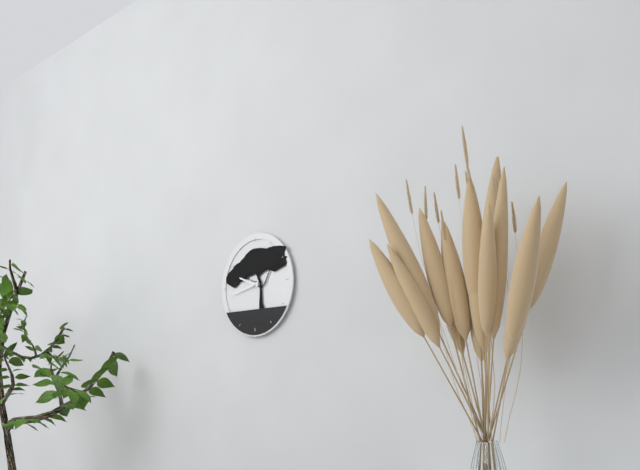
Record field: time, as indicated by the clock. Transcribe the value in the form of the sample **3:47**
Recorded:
**9:43**
